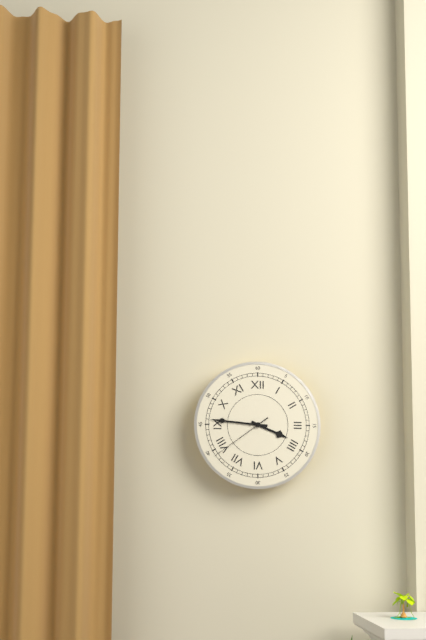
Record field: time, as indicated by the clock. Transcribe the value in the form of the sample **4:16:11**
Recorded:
**3:46:39**
